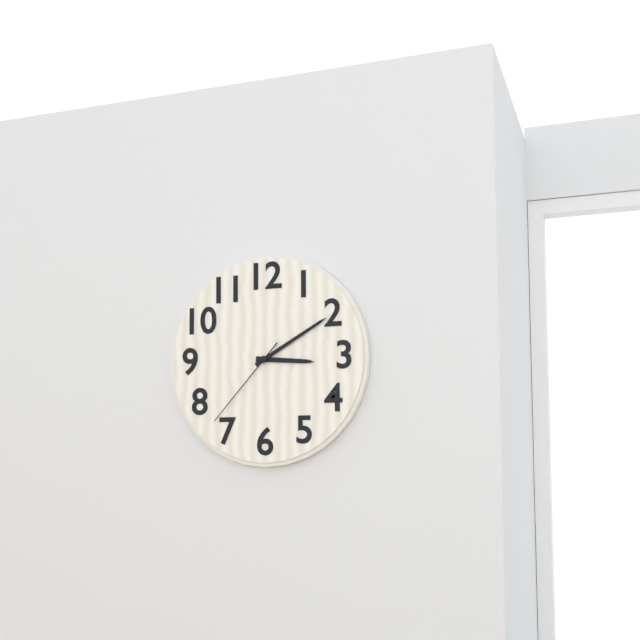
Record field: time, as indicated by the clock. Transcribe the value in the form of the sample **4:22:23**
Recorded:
**3:10:37**
